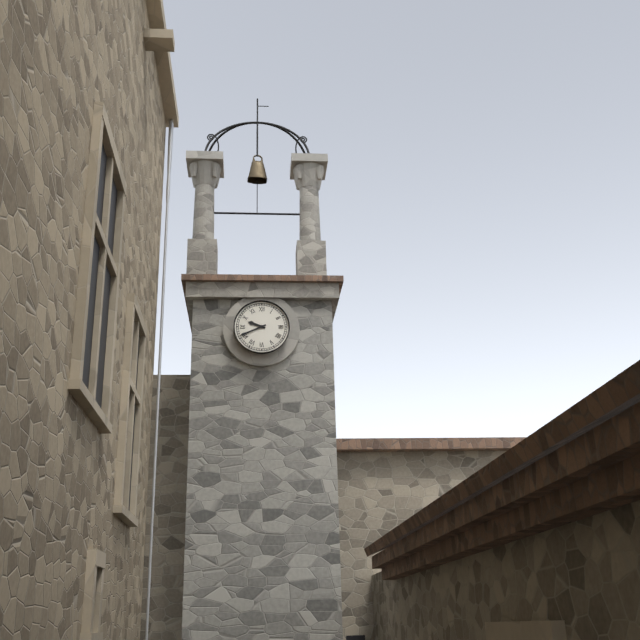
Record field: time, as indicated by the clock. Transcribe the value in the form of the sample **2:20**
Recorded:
**9:41**
